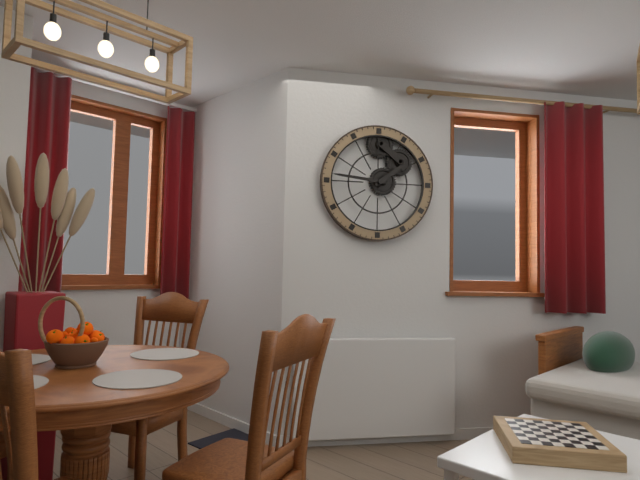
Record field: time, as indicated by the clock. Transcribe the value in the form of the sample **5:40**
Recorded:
**1:46**
